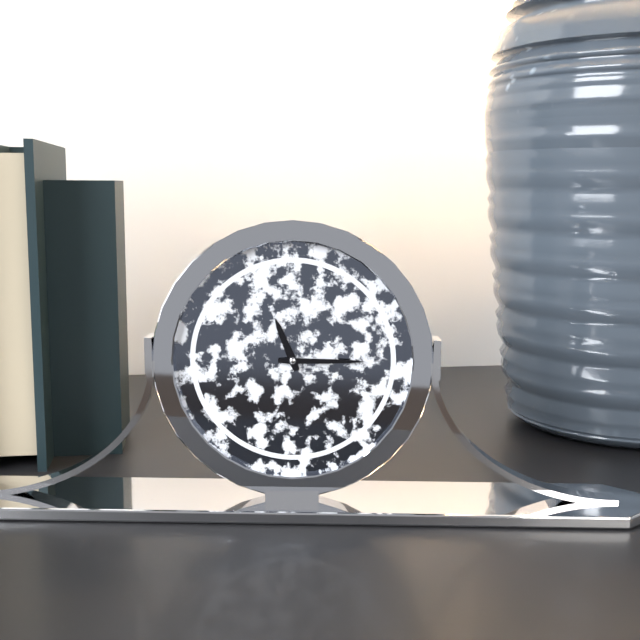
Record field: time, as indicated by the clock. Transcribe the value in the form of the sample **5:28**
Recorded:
**11:15**
